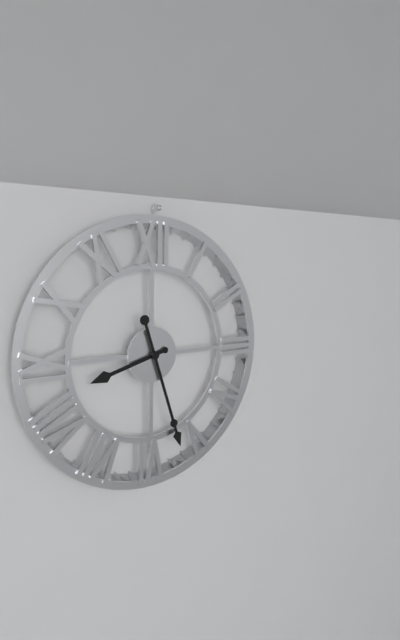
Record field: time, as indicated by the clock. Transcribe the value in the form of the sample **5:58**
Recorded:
**8:27**
